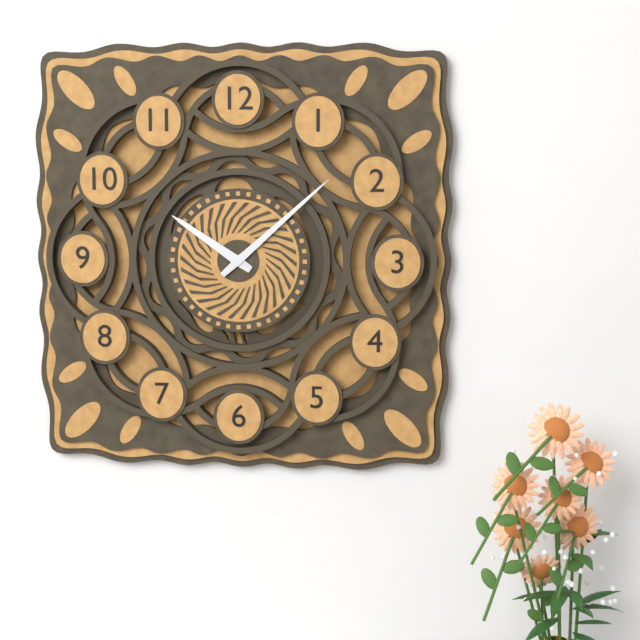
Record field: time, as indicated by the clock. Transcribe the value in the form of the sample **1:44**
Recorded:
**10:08**
